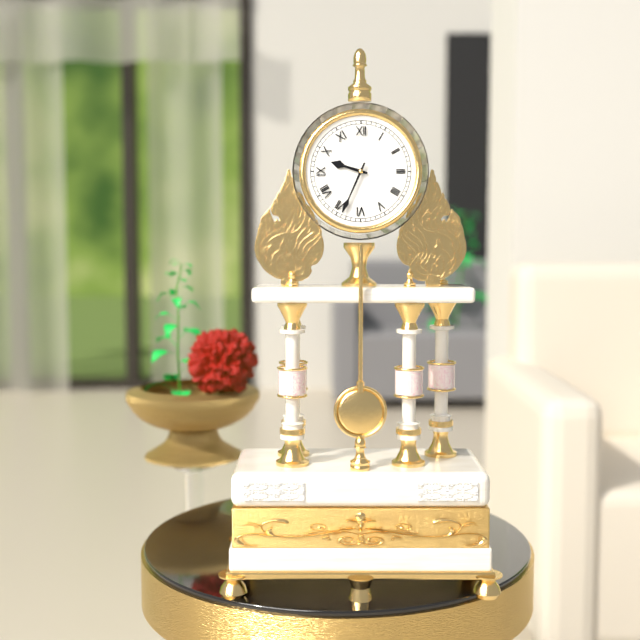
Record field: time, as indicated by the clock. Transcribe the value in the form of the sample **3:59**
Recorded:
**9:34**
